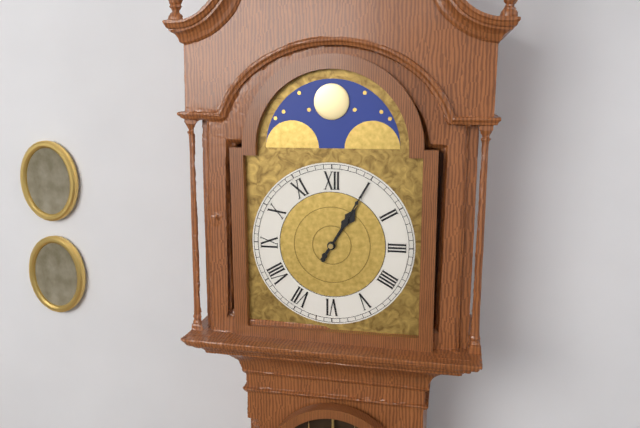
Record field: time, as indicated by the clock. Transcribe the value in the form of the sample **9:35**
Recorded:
**1:05**
